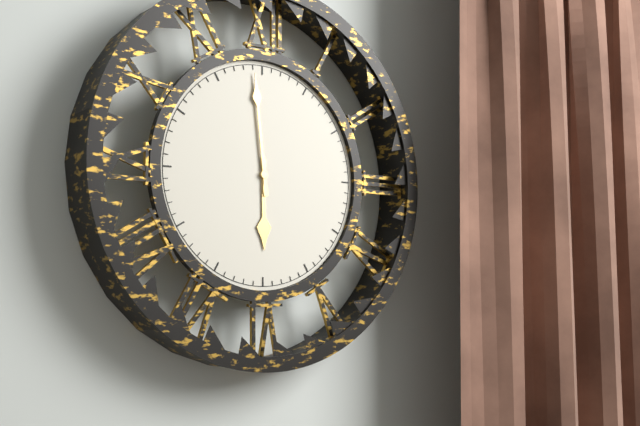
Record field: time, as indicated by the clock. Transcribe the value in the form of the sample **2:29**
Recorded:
**5:59**
